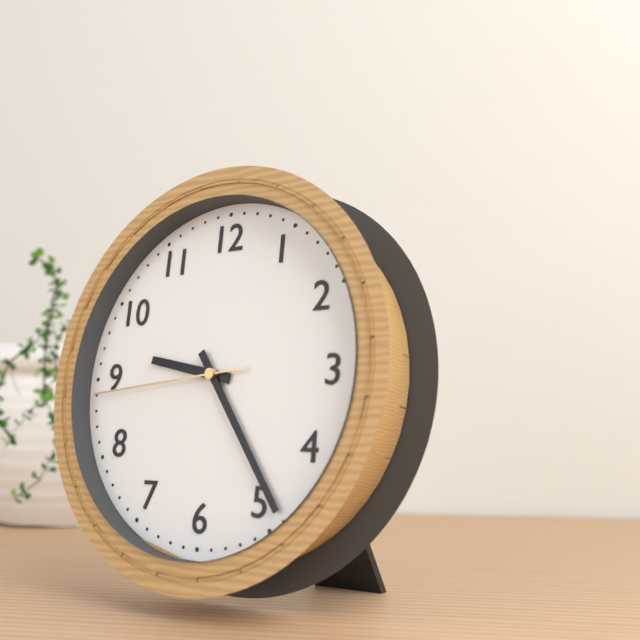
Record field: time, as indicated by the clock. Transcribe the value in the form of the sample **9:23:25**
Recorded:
**9:24:44**
